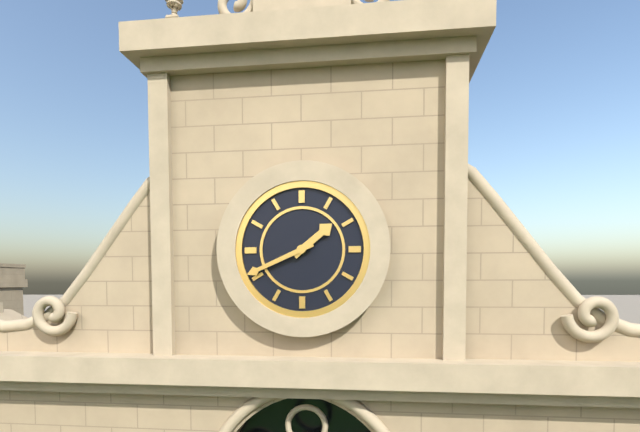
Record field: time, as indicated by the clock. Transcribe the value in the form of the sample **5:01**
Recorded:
**1:41**
